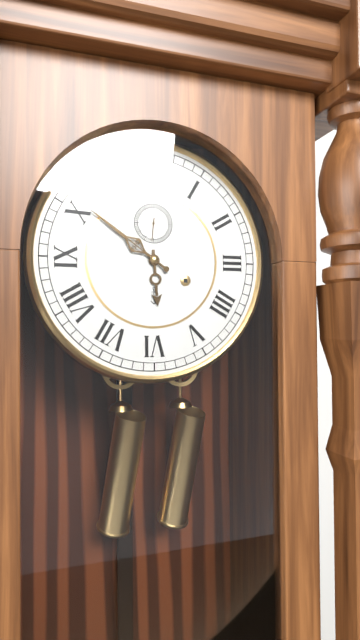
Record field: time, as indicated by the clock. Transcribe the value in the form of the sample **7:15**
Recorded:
**5:51**
